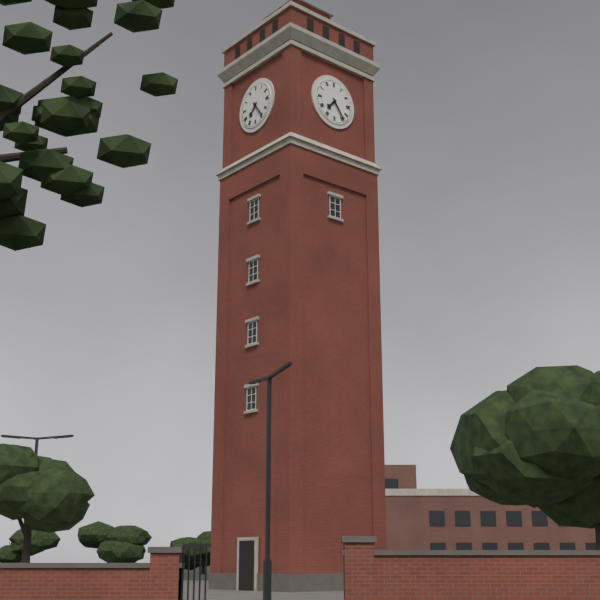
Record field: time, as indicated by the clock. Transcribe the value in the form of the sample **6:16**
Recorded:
**7:24**
